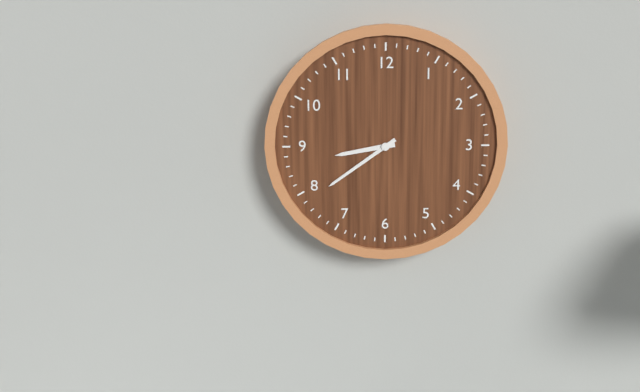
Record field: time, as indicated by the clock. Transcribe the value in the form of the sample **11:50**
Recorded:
**8:39**
